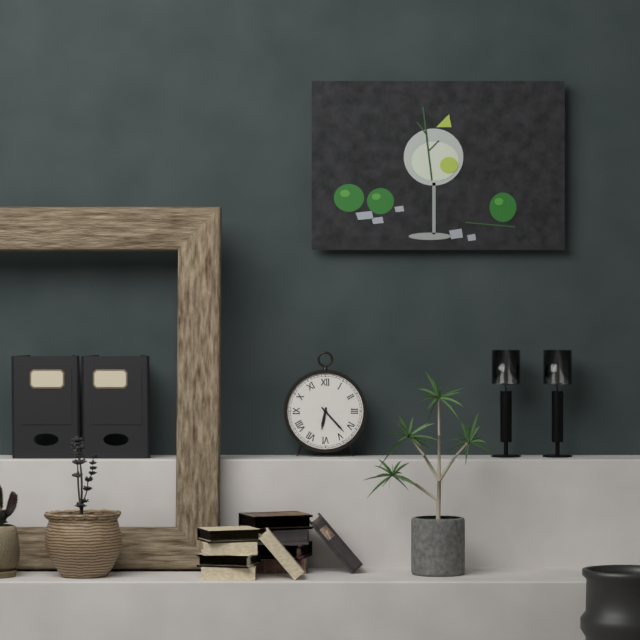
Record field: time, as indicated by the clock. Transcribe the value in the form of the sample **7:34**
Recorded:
**6:23**
